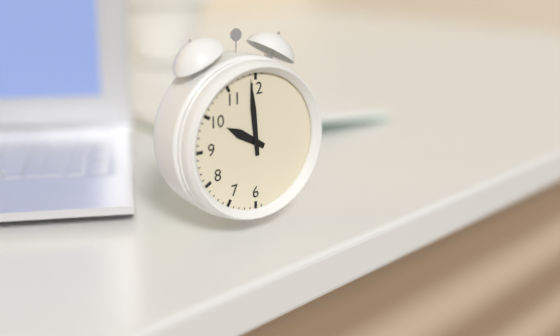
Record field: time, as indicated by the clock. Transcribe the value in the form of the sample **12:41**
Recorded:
**9:59**
